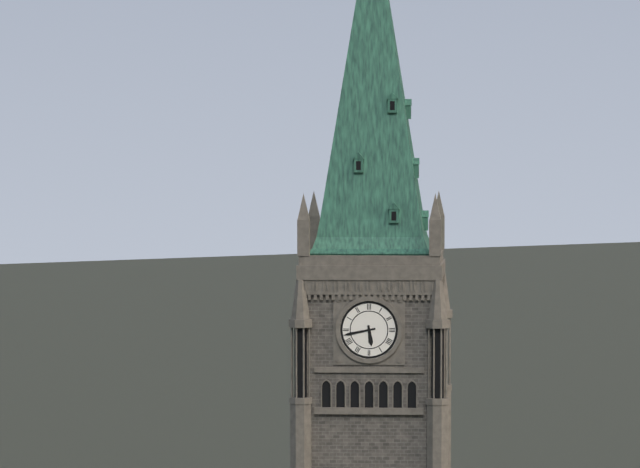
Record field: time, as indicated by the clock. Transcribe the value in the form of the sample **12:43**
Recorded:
**5:43**
